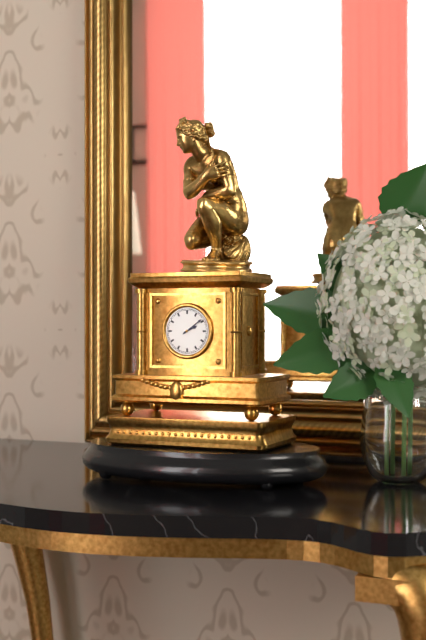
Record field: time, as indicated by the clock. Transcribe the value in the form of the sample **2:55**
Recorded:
**2:09**
